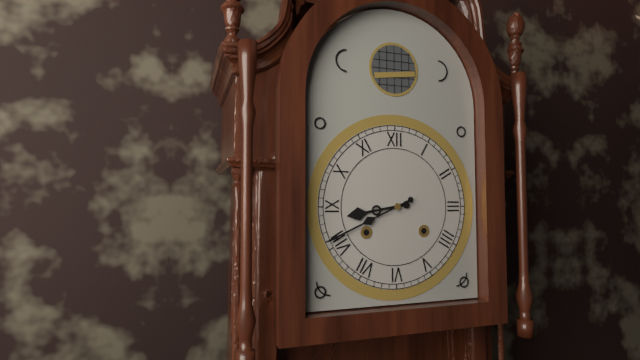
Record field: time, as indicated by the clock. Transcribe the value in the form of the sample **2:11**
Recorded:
**8:41**
